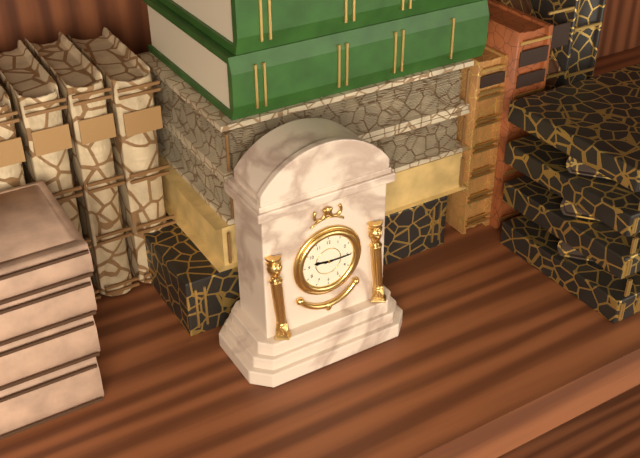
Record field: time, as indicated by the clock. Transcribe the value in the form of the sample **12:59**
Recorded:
**9:15**
